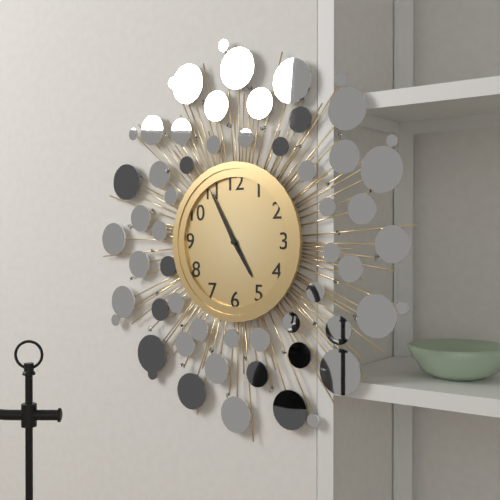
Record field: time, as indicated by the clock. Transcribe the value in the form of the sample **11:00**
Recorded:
**4:55**
